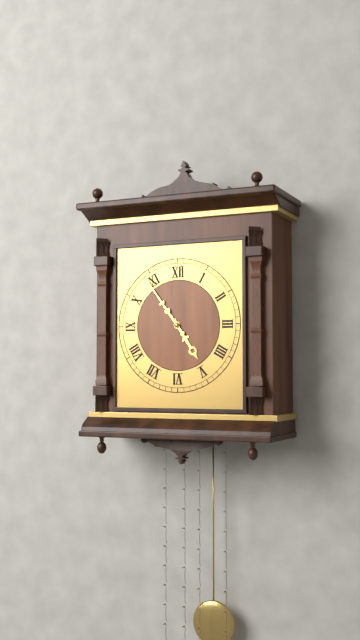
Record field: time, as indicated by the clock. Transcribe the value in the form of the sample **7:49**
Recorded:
**4:54**
